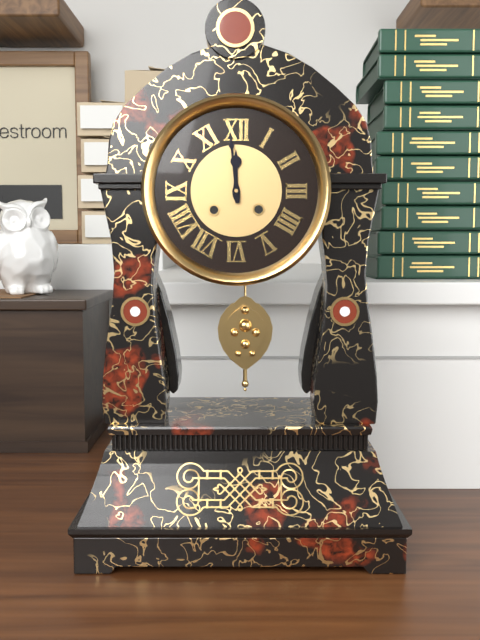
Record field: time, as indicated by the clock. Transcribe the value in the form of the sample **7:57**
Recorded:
**11:59**
